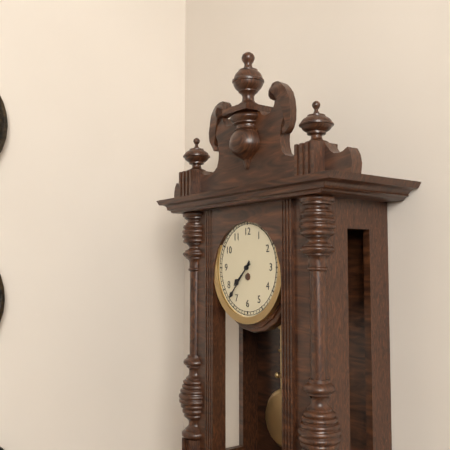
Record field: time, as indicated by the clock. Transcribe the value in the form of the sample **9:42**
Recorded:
**7:37**
